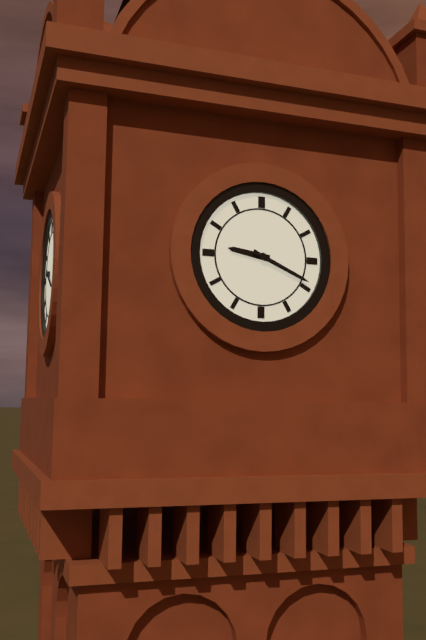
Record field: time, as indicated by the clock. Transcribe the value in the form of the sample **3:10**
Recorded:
**9:19**
